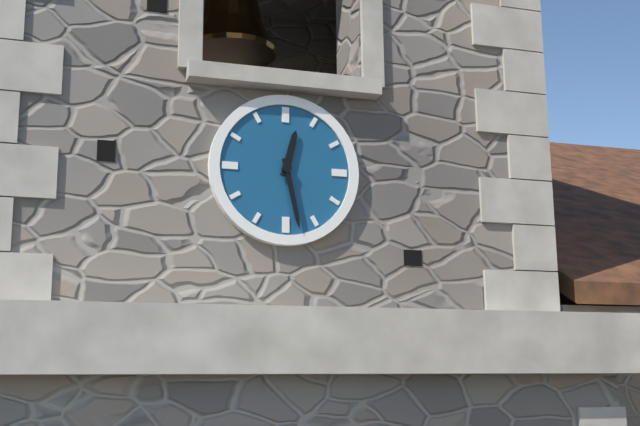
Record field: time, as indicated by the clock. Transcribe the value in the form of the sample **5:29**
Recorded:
**12:28**
